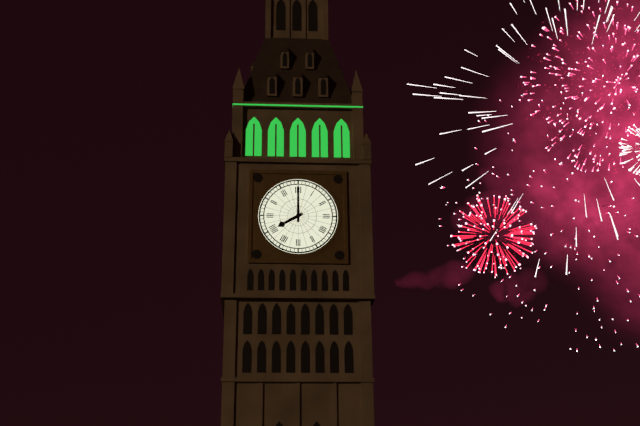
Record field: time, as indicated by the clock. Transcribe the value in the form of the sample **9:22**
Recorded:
**8:00**
